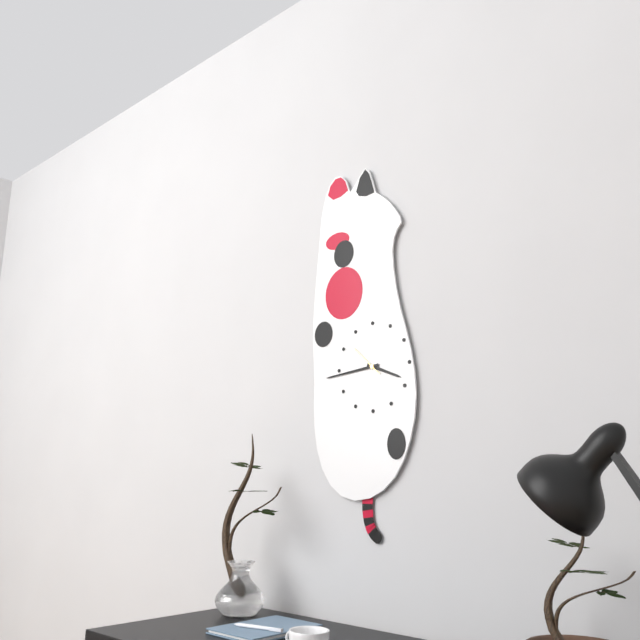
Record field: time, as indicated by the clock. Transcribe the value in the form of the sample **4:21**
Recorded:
**3:44**
